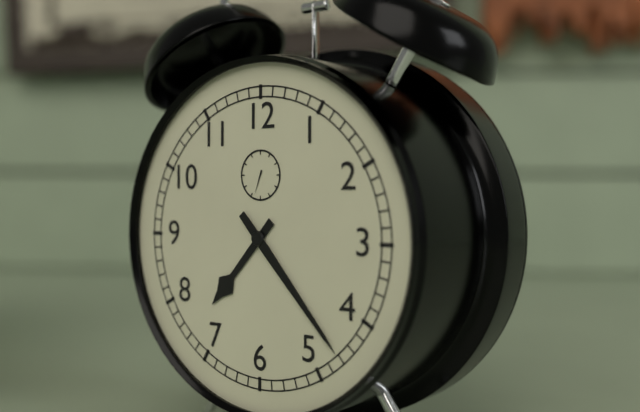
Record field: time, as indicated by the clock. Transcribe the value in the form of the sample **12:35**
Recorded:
**7:23**
